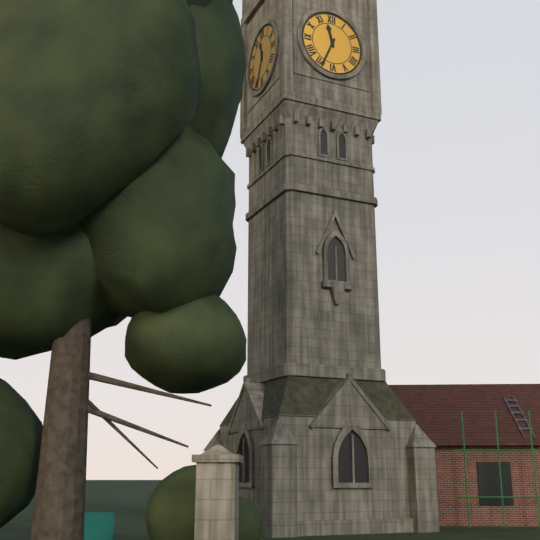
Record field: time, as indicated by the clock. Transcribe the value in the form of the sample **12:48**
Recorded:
**11:34**
